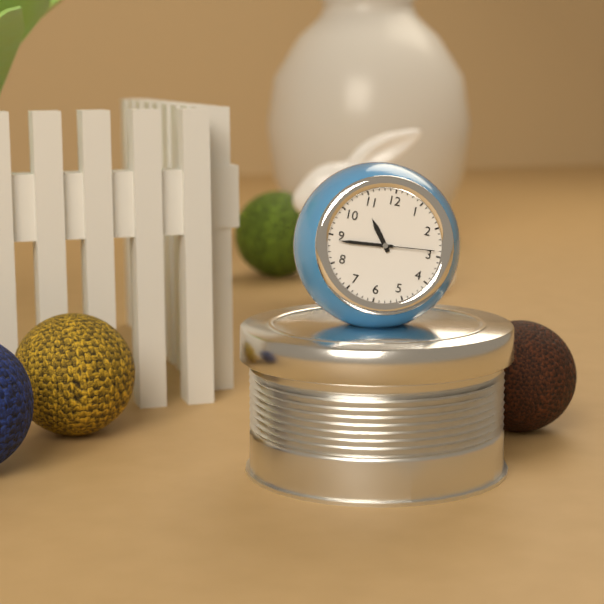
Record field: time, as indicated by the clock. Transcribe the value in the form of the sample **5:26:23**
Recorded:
**10:44:14**
